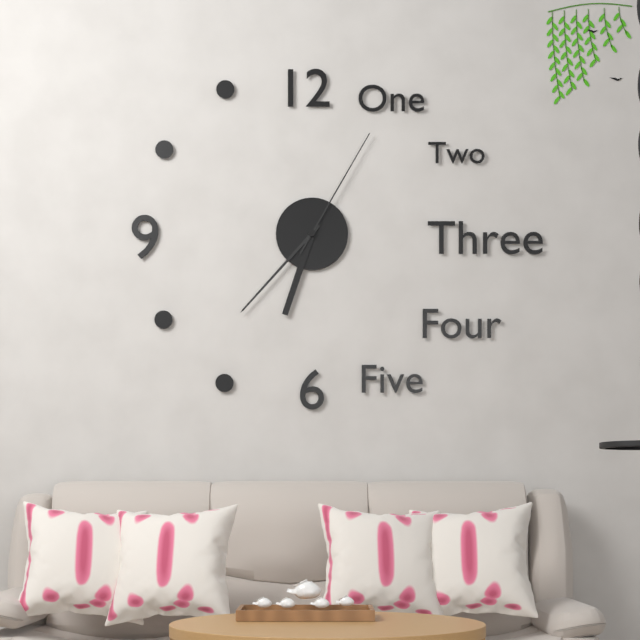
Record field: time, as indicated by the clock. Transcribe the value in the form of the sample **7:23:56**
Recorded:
**6:37:05**
